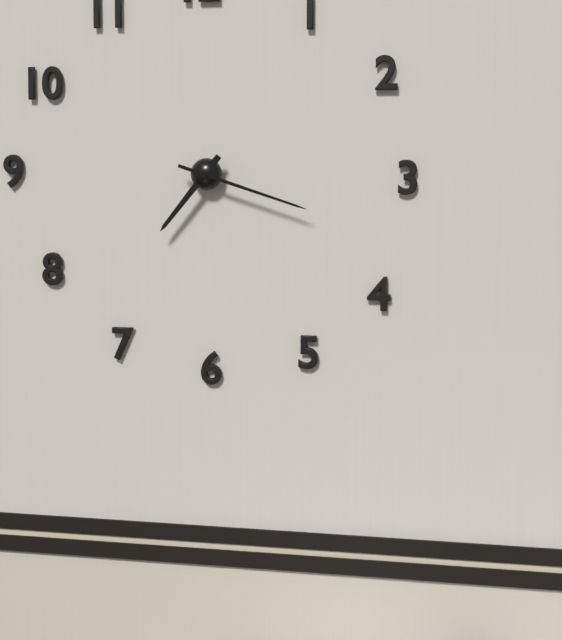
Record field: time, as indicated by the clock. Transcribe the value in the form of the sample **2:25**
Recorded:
**7:18**
